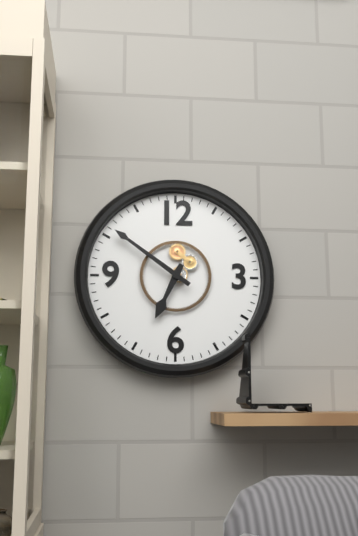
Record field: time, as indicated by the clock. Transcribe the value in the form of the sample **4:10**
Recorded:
**6:51**
